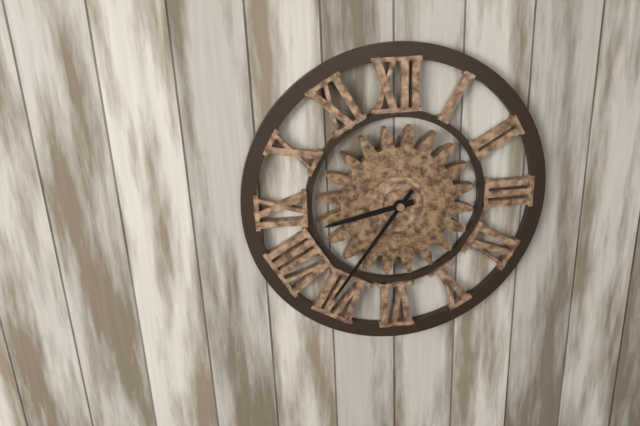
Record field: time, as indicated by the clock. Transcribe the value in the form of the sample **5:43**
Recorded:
**8:36**
